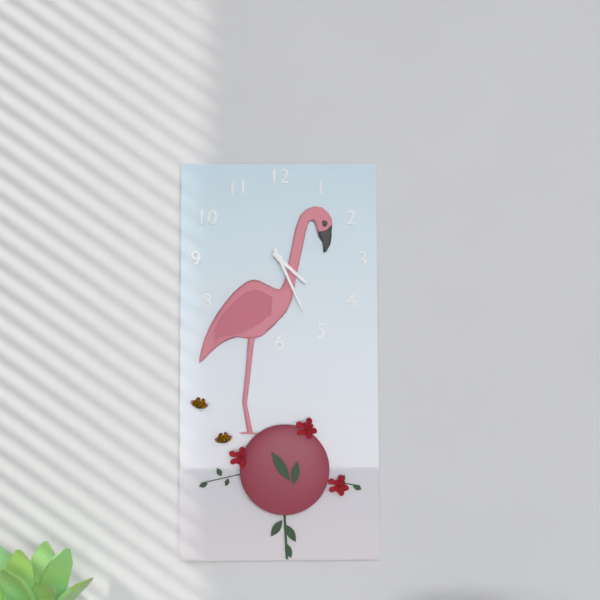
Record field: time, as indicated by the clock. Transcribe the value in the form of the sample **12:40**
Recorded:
**4:26**
